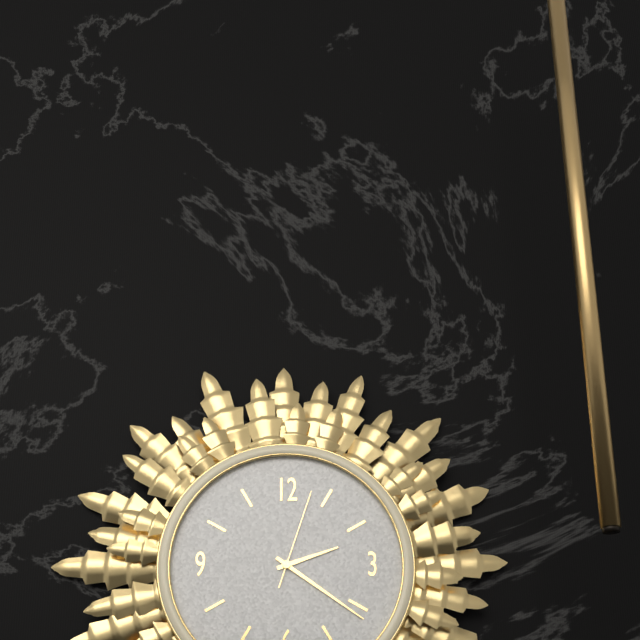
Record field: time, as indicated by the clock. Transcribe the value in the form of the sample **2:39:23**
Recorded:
**2:21:03**
